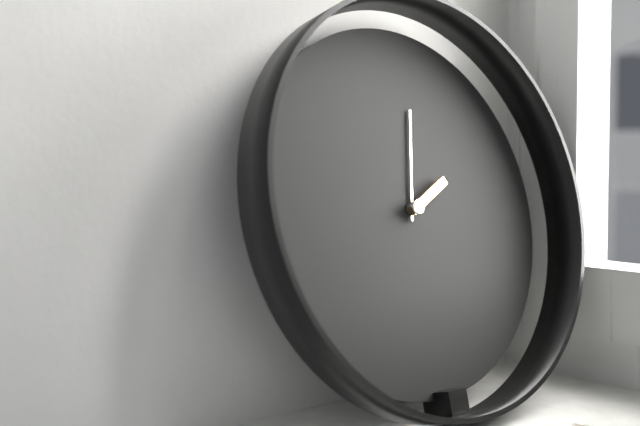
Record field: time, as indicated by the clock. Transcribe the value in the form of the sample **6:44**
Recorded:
**2:02**
